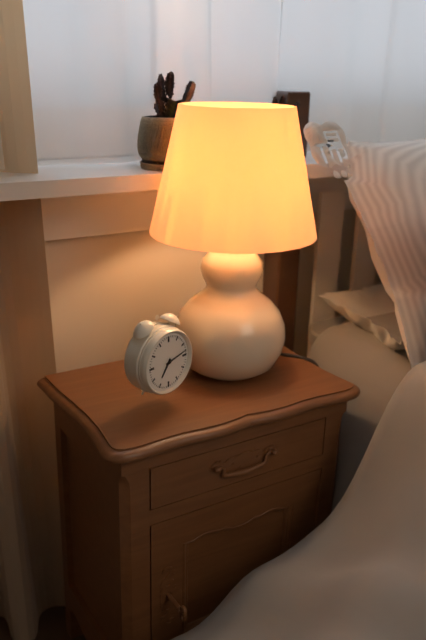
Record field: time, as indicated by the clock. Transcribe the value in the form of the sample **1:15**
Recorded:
**7:13**
